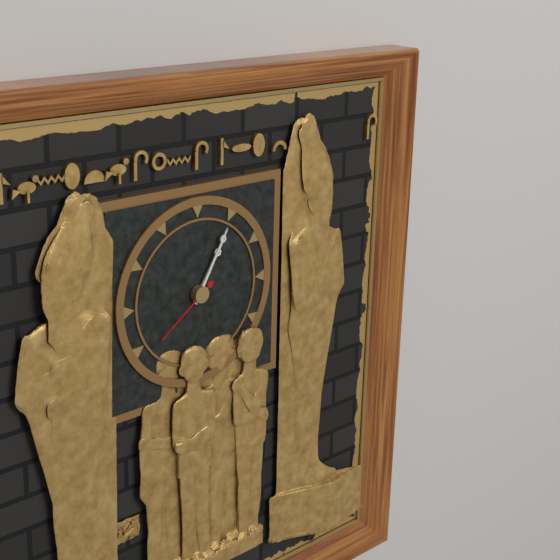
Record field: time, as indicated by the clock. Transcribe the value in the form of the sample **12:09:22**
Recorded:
**1:05:39**
